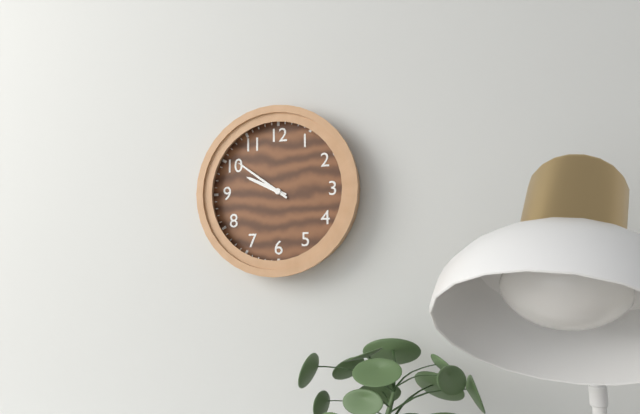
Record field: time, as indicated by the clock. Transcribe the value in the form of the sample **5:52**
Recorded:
**9:51**
